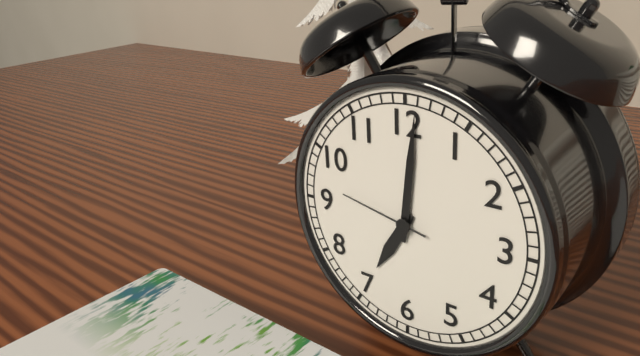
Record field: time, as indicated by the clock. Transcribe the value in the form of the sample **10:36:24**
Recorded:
**7:01:47**
